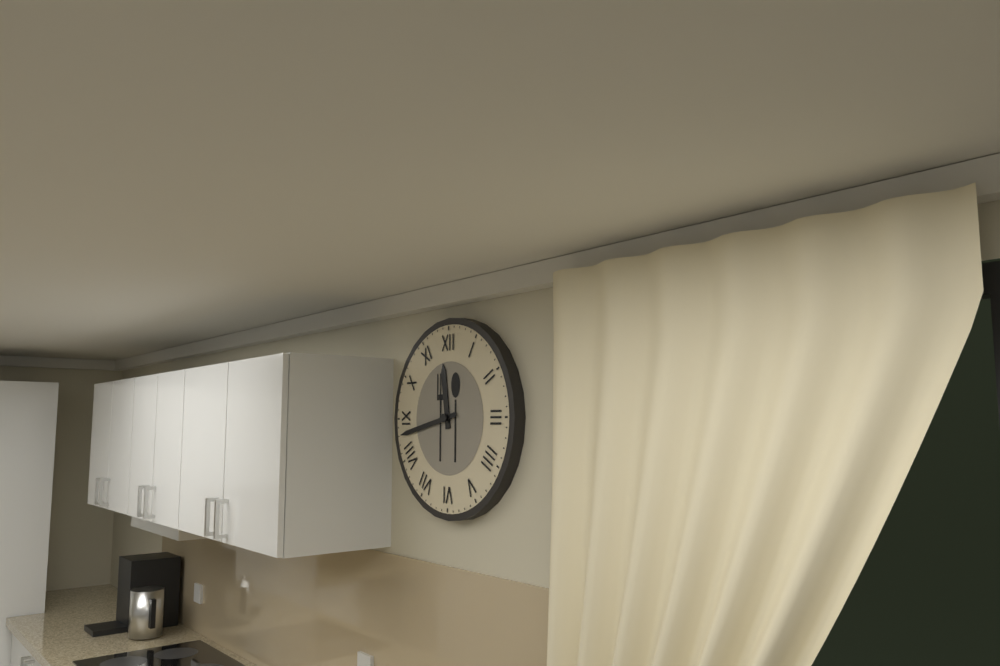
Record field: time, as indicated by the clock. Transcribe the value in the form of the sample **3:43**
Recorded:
**11:43**
